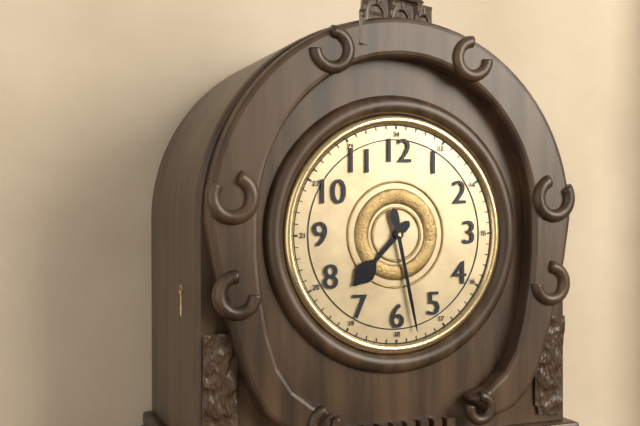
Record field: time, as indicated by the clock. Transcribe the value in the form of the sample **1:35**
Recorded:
**7:28**
